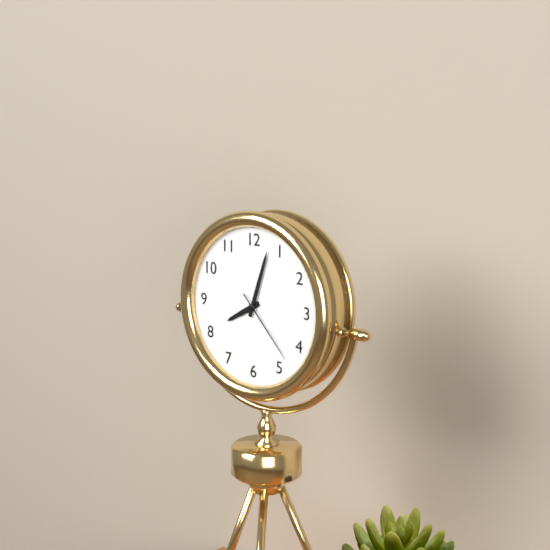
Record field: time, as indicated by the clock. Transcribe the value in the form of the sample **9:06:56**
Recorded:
**8:03:23**
